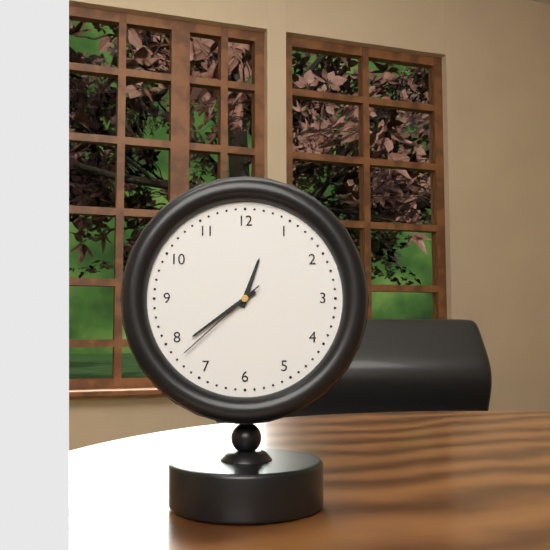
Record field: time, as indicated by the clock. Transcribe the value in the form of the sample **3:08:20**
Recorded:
**12:39:38**
